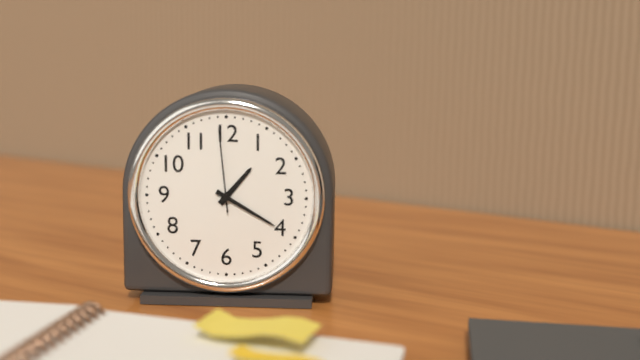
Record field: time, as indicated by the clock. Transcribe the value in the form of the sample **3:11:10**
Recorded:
**1:20:59**
